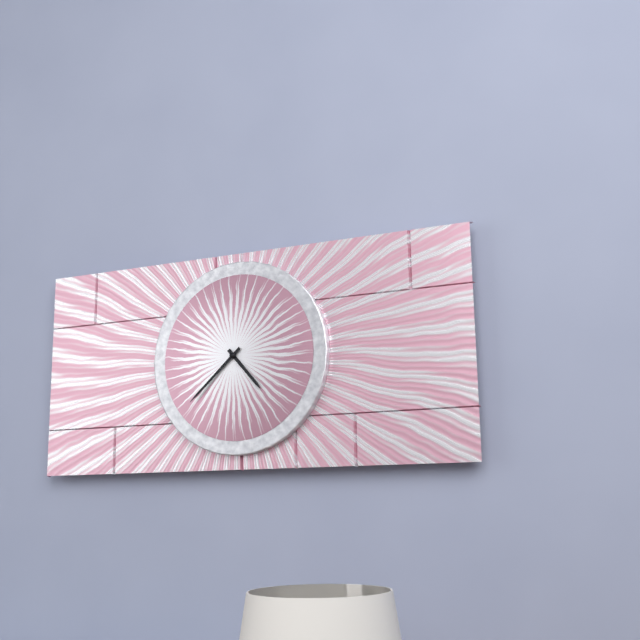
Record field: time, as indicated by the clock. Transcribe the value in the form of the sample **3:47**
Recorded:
**4:38**
